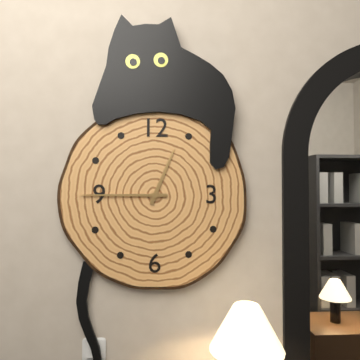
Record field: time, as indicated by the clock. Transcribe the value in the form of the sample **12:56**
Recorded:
**12:45**
